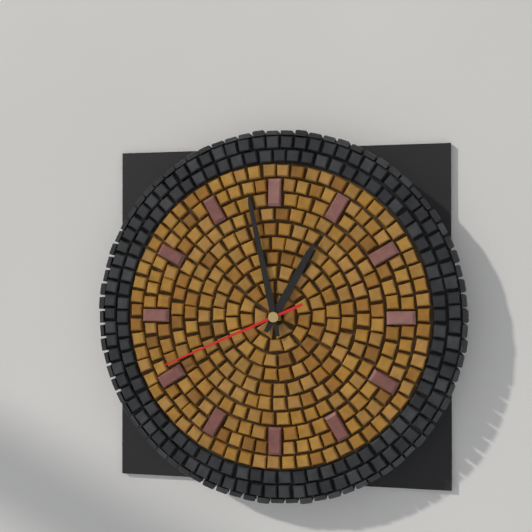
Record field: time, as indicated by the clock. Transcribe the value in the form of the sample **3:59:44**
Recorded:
**12:58:41**
